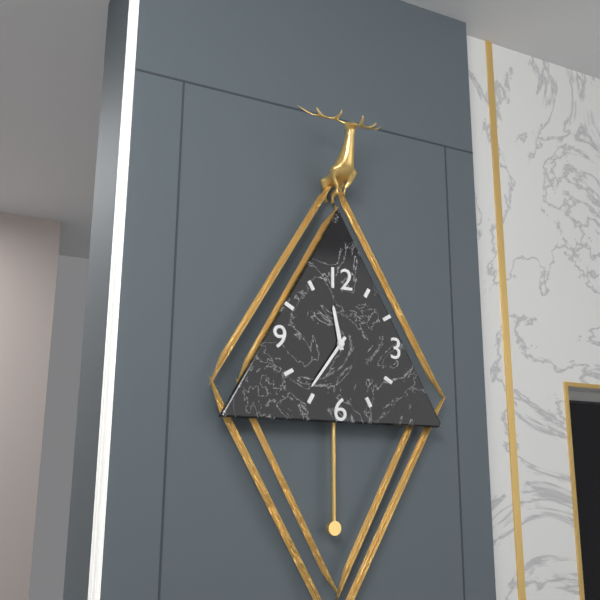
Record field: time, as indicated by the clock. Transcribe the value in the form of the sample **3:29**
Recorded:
**11:36**
